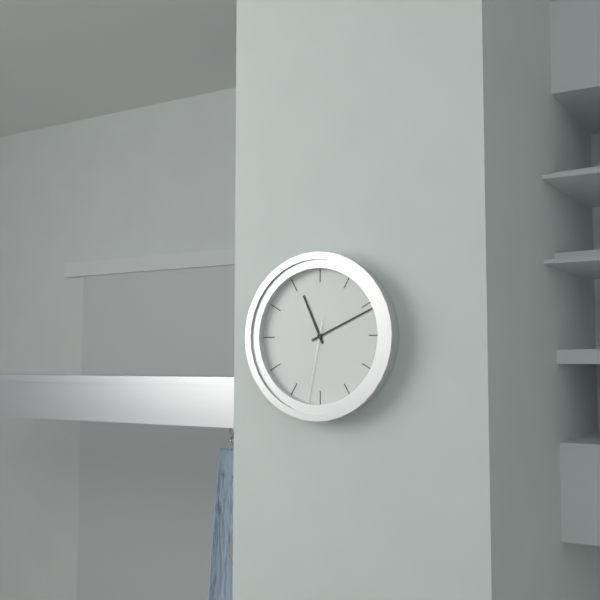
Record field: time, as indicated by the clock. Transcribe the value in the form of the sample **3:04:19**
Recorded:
**11:11:32**
